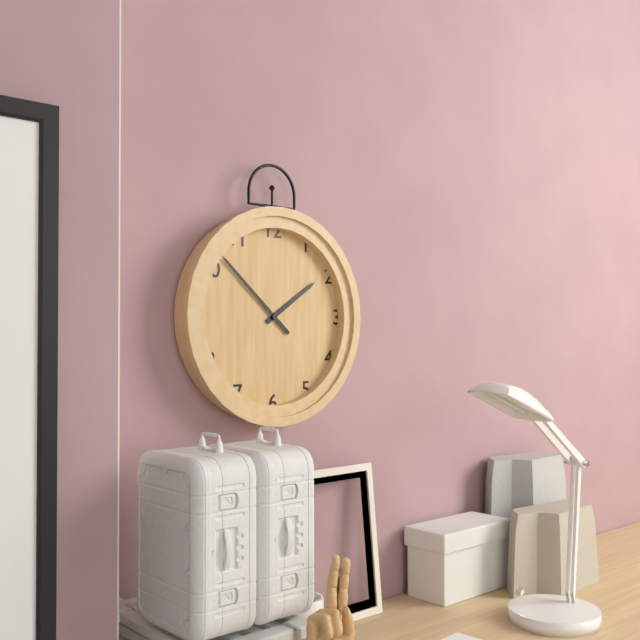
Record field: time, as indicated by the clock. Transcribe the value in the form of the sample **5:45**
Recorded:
**1:52**
